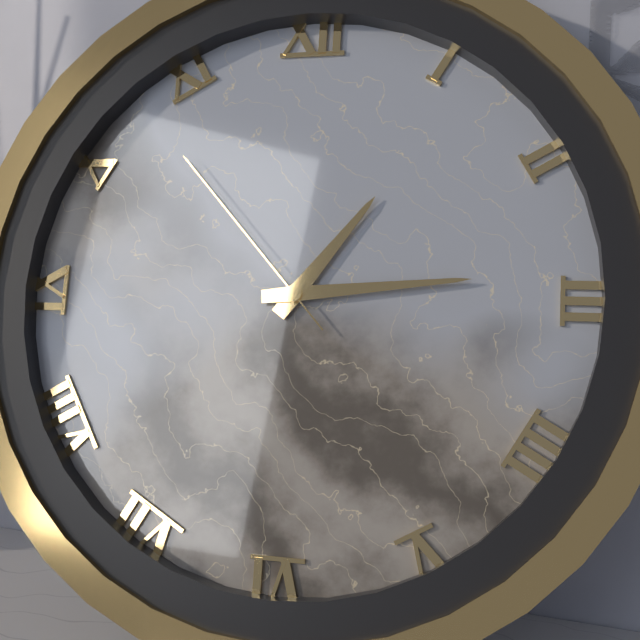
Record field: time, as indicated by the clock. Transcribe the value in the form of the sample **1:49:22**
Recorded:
**1:14:53**
